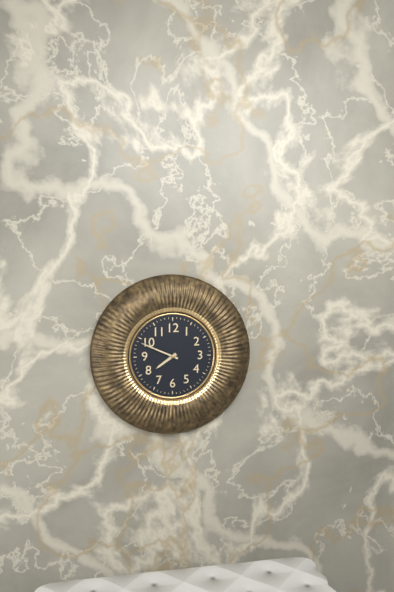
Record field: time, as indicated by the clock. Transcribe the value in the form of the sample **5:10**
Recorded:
**7:49**
